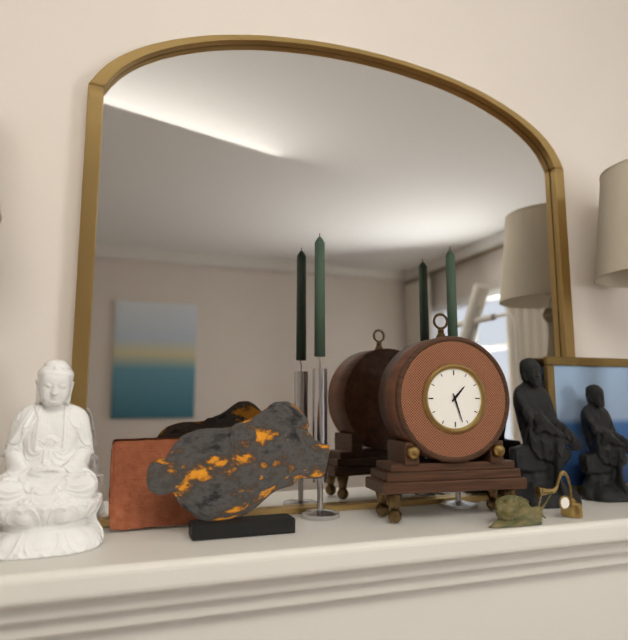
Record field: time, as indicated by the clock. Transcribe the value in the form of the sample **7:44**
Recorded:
**1:27**
